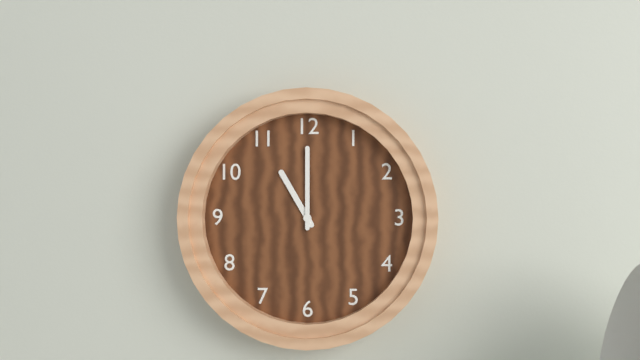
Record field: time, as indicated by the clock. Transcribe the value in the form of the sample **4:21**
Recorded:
**11:00**
